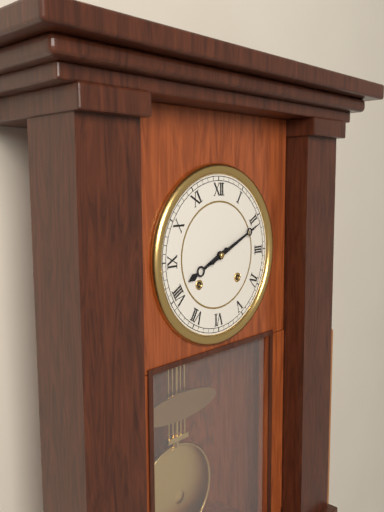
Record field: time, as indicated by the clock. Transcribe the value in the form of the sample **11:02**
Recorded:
**8:11**
